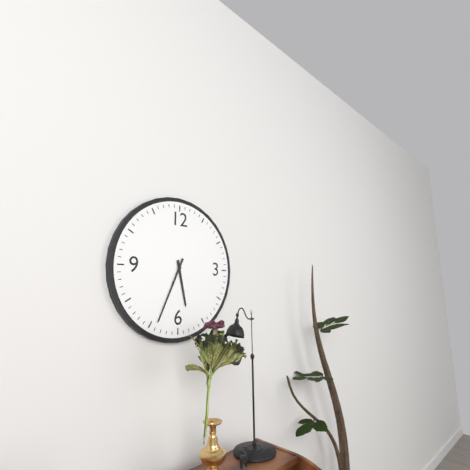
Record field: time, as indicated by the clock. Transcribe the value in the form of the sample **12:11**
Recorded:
**5:34**
